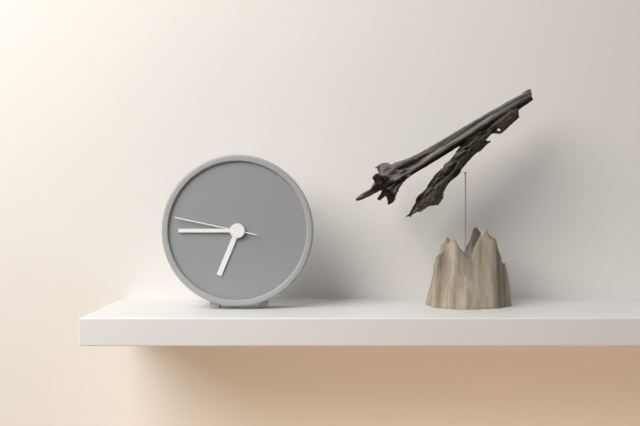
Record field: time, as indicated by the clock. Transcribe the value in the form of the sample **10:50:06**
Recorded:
**6:45:47**
